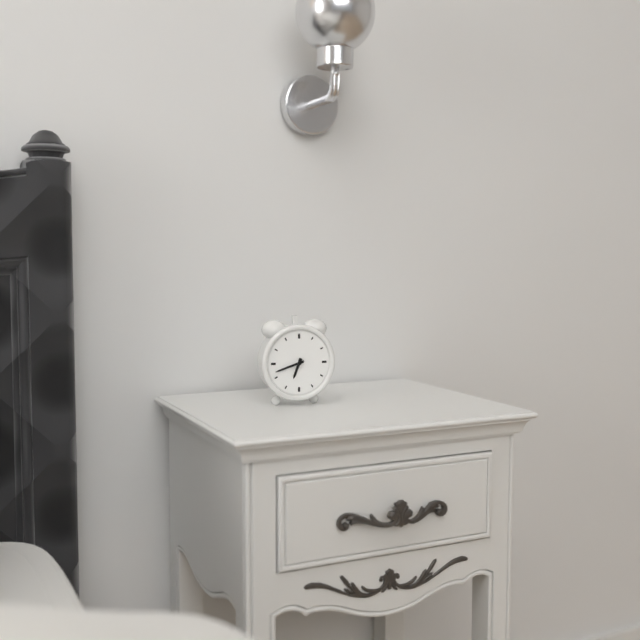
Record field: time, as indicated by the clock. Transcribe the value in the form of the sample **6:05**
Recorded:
**6:42**
